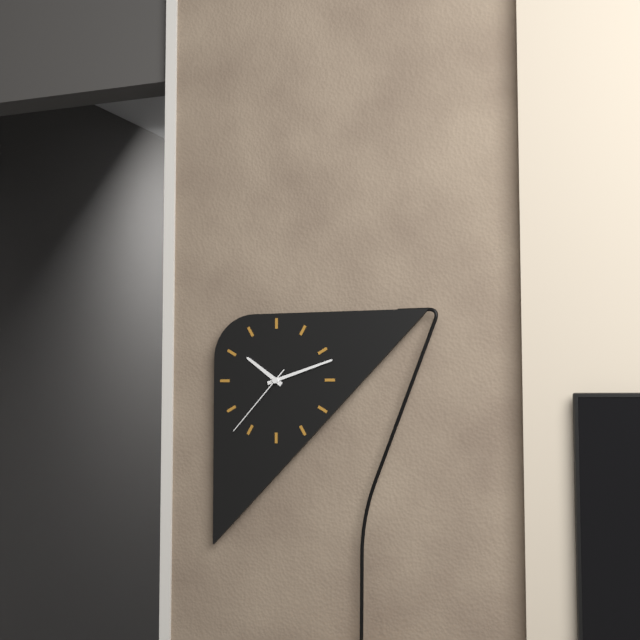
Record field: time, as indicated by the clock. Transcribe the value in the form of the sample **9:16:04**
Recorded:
**10:12:37**
